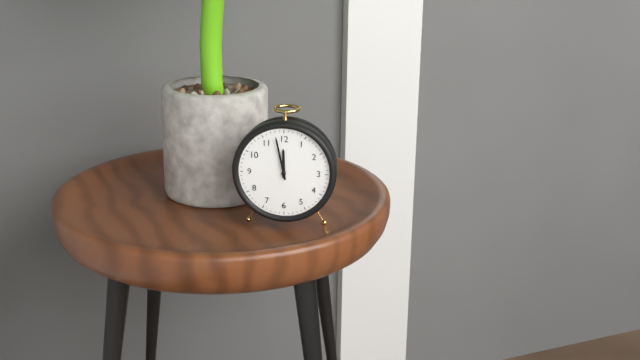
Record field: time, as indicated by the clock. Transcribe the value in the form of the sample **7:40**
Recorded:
**11:58**
